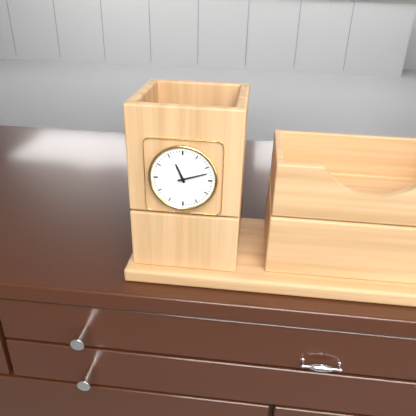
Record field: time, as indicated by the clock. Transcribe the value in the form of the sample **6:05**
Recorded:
**11:12**
